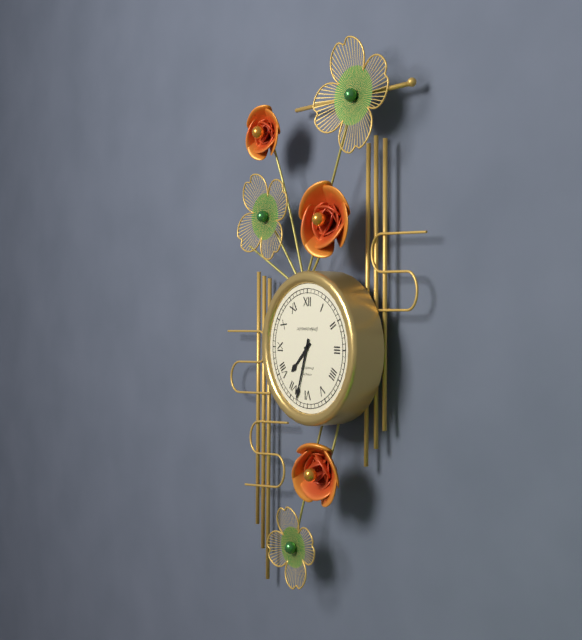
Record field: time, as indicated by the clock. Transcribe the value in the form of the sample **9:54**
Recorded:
**7:33**
